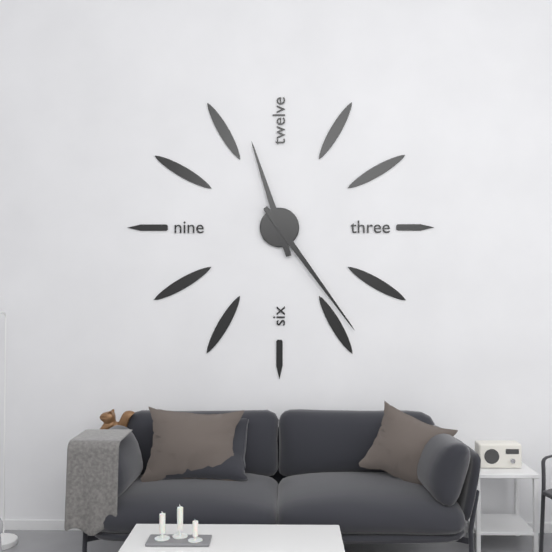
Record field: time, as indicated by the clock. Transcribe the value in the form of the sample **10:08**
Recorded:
**11:24**
